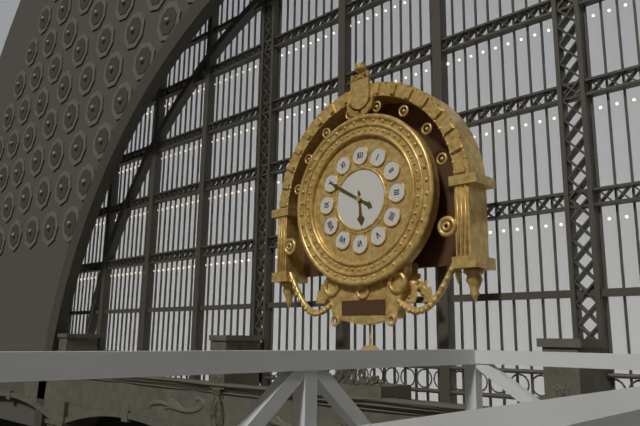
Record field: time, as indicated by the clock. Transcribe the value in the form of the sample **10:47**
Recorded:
**5:50**
